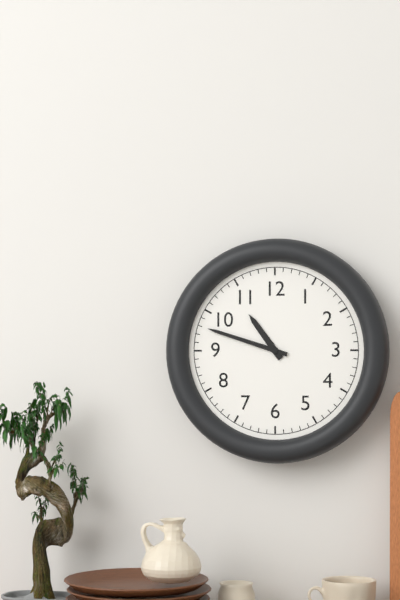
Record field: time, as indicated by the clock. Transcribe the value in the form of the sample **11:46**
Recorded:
**10:48**
